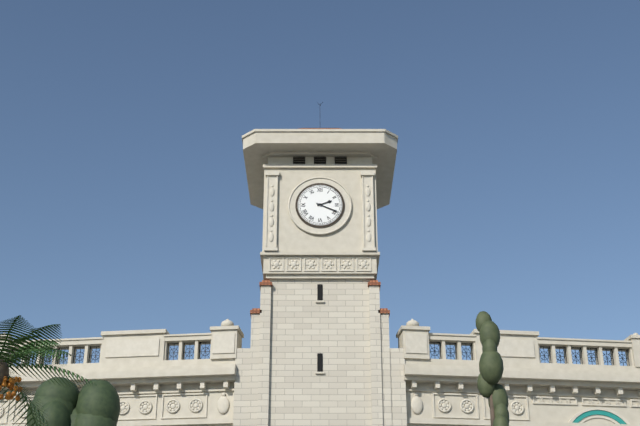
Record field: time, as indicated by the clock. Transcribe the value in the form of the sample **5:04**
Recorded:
**2:19**
